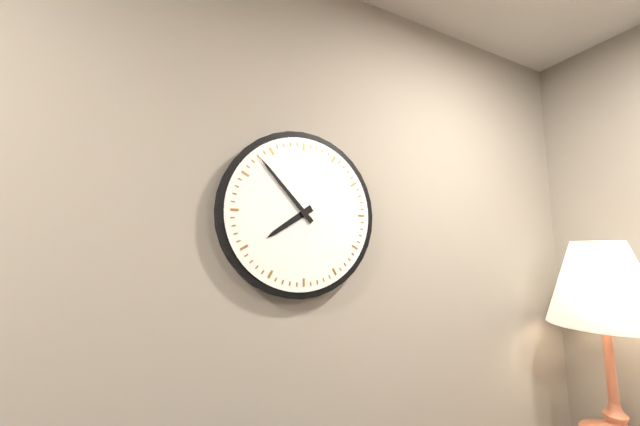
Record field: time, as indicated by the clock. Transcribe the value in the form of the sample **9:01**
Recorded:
**7:53**
